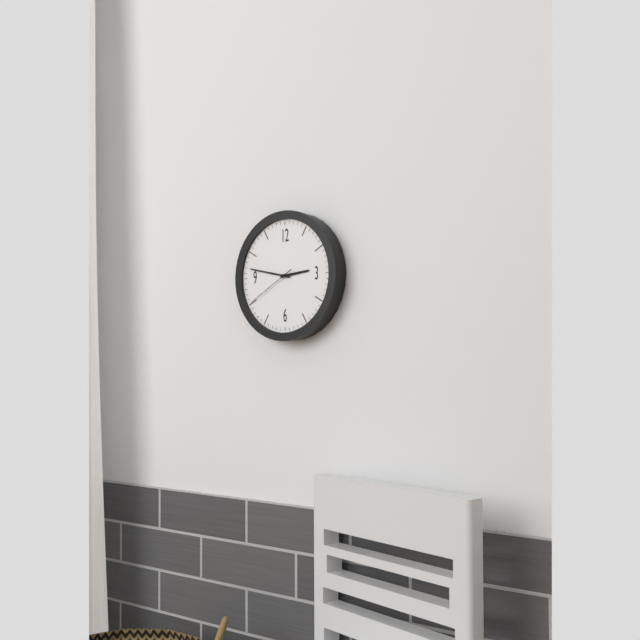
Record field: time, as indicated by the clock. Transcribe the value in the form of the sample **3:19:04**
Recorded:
**2:47:40**
